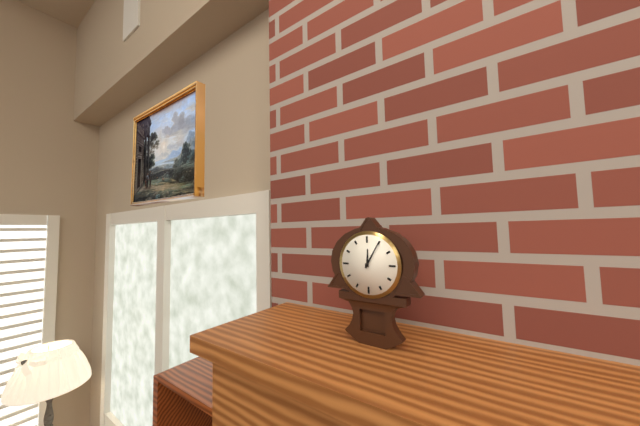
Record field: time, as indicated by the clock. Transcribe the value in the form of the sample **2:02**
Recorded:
**12:05**
